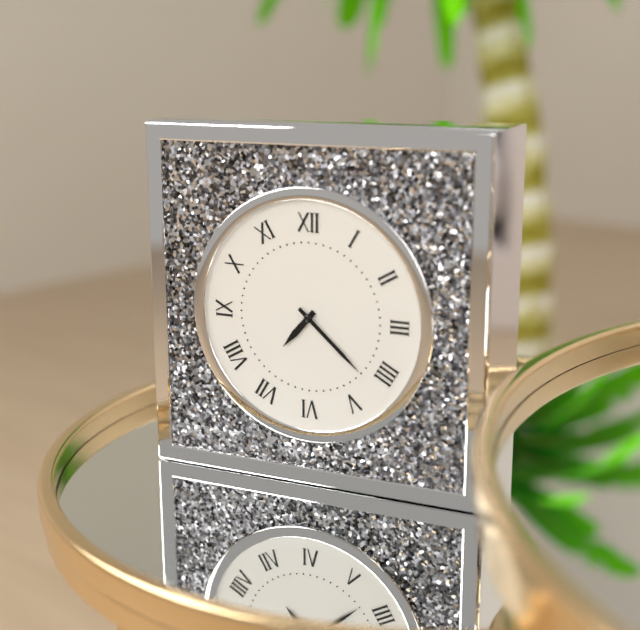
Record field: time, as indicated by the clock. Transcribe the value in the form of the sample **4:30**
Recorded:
**7:22**
